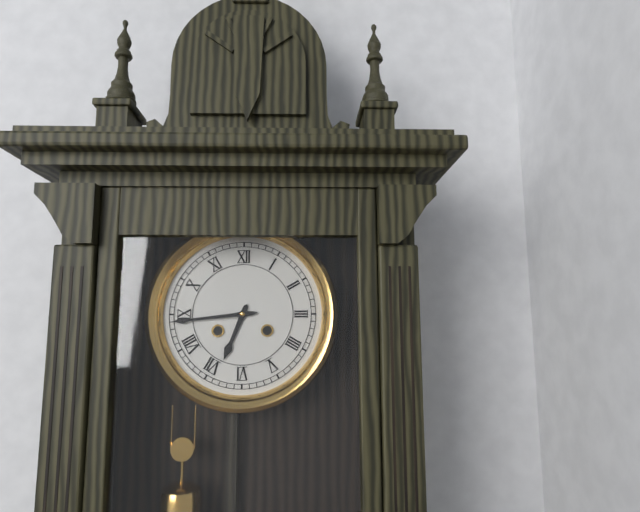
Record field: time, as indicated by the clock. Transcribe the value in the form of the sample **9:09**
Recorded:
**6:44**
